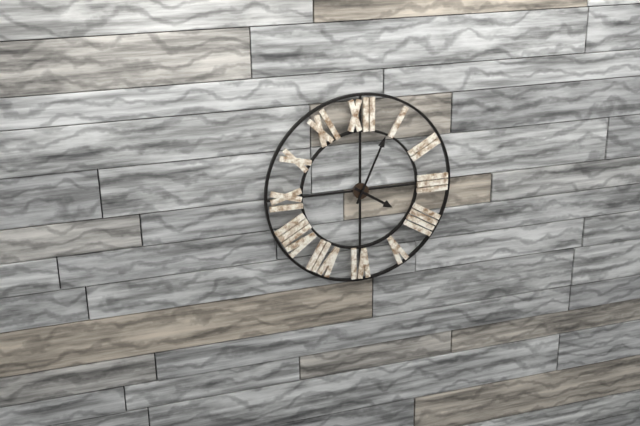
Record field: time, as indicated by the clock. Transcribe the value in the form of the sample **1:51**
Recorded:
**4:04**
